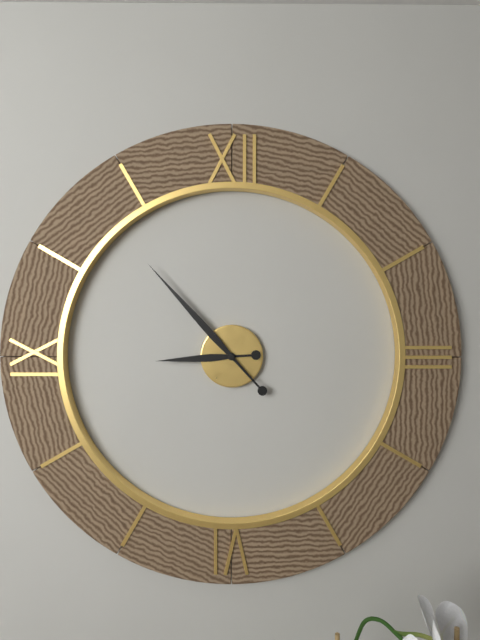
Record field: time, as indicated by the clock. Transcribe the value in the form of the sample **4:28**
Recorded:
**8:53**
